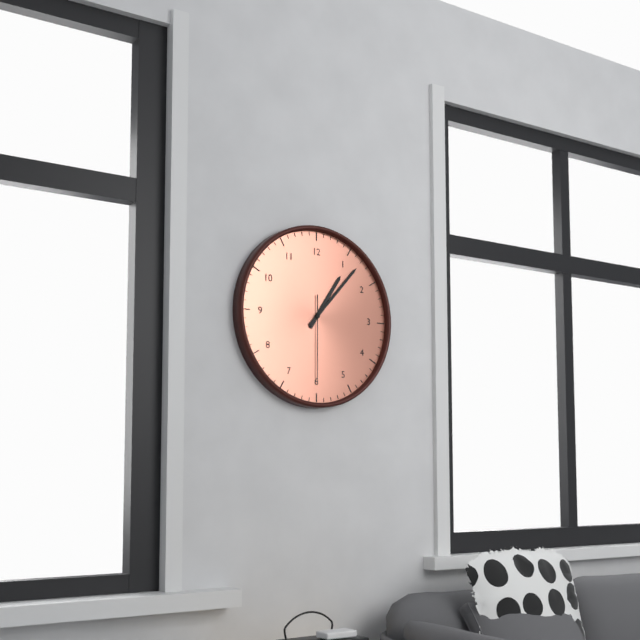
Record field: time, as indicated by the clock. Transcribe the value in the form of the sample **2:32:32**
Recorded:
**1:07:30**
